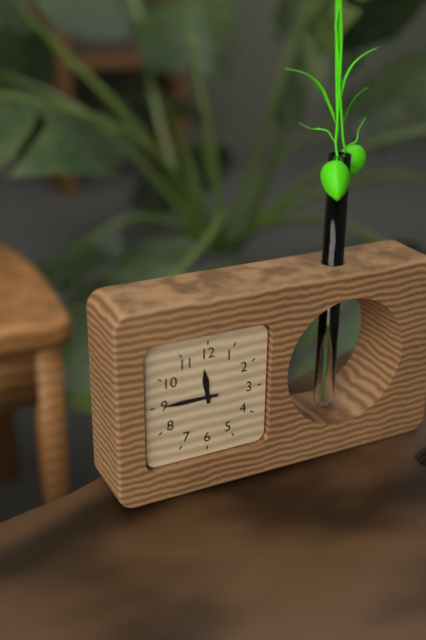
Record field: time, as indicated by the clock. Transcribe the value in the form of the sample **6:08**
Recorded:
**11:45**
